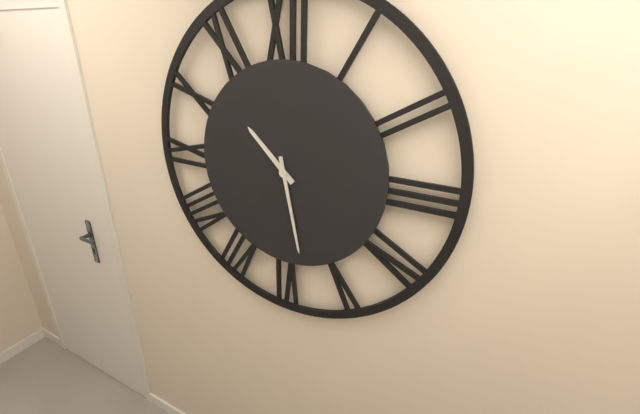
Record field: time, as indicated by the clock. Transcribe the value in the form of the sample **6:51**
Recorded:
**10:28**
